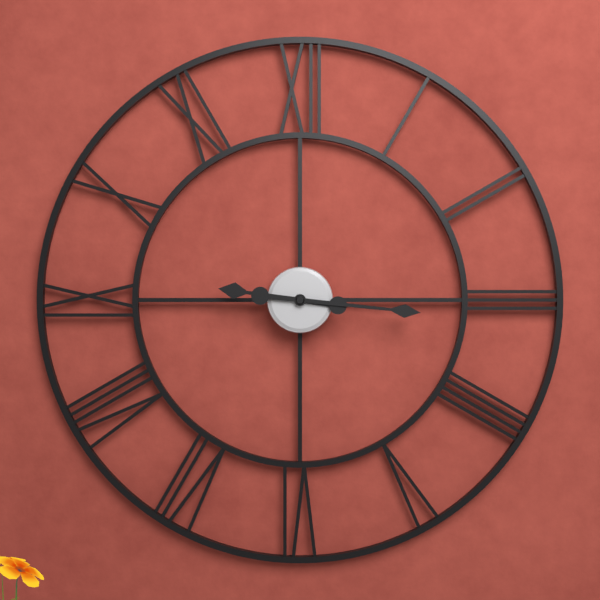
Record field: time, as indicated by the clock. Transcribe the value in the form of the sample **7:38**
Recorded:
**9:16**
